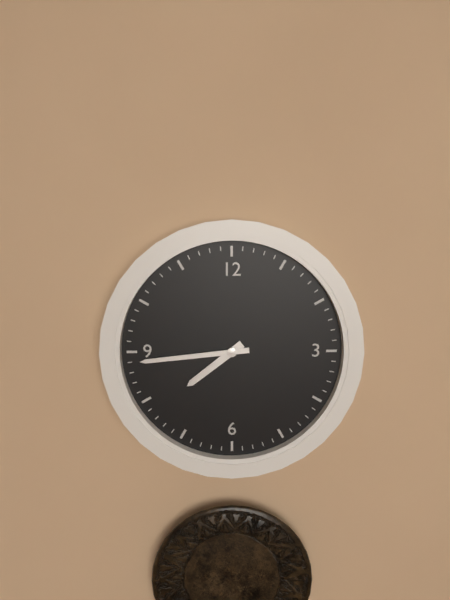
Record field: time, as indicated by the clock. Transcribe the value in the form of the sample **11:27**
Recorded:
**7:44**
